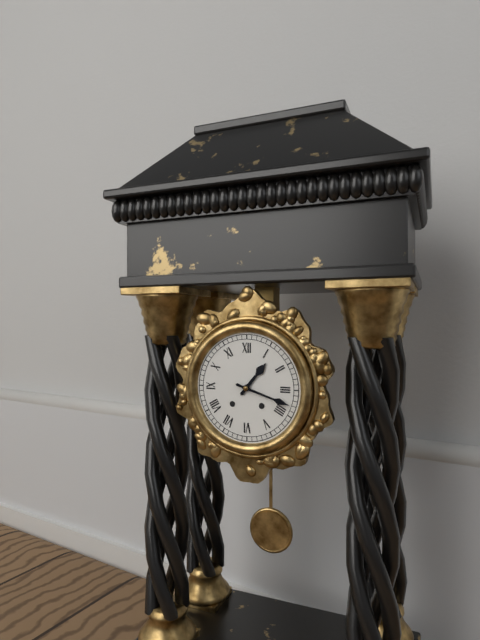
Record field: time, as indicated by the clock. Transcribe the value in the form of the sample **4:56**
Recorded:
**1:18**
